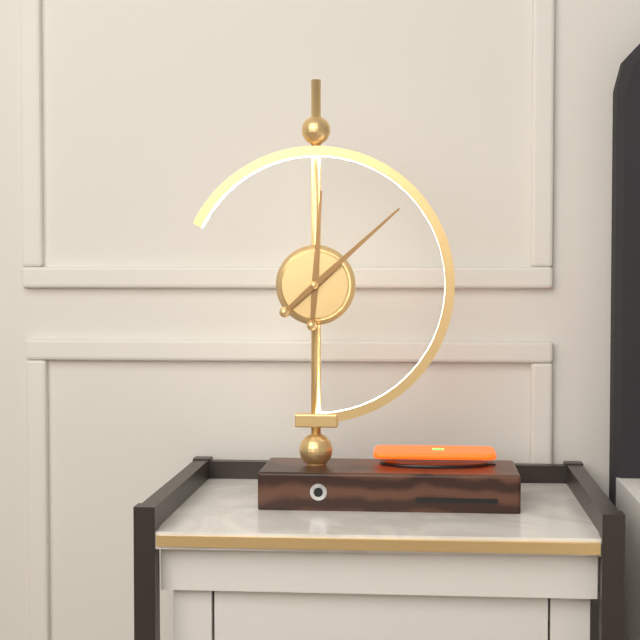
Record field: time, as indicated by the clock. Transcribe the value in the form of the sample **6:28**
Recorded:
**12:08**
